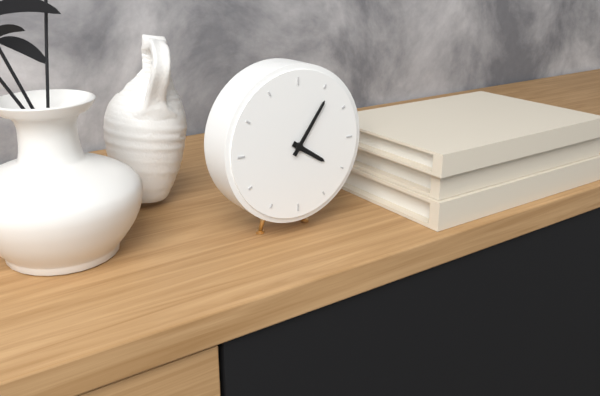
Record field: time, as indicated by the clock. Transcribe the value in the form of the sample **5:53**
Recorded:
**4:06**
